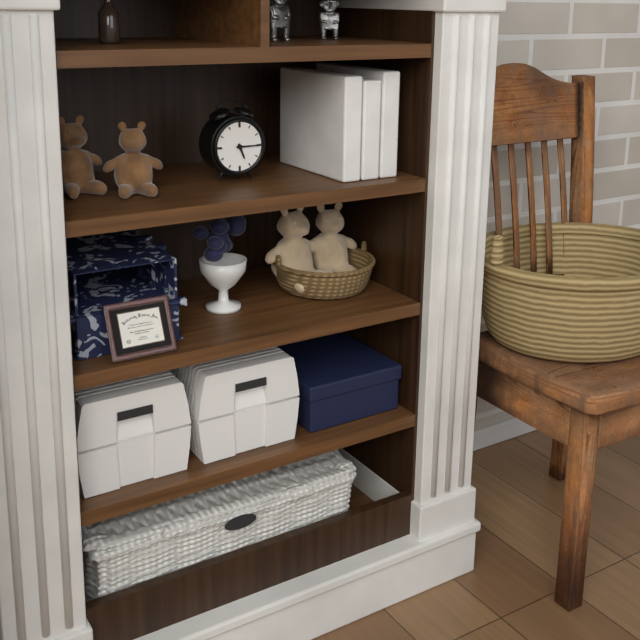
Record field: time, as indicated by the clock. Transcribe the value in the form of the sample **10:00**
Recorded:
**5:15**
